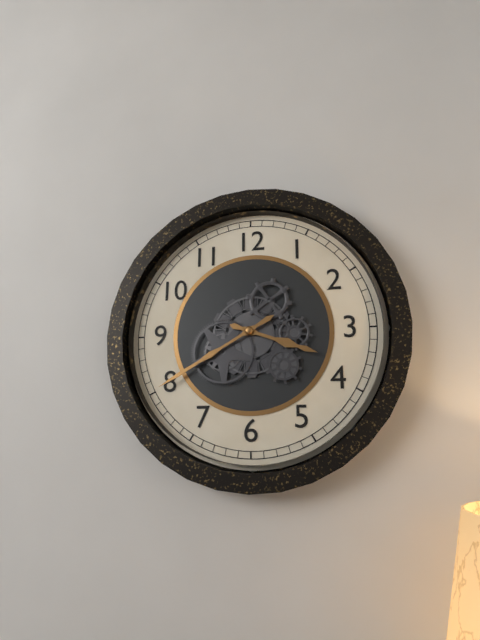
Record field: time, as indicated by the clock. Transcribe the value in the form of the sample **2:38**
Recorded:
**3:40**
